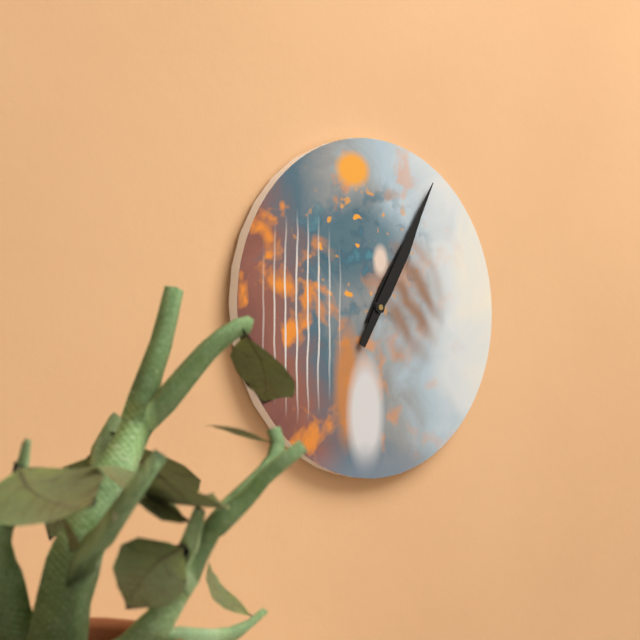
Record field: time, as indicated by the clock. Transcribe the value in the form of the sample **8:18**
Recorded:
**1:05**
